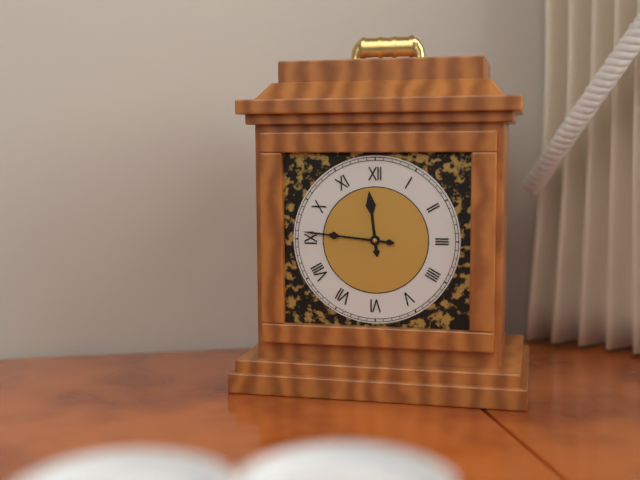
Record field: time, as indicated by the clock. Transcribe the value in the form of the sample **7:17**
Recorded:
**11:46**
